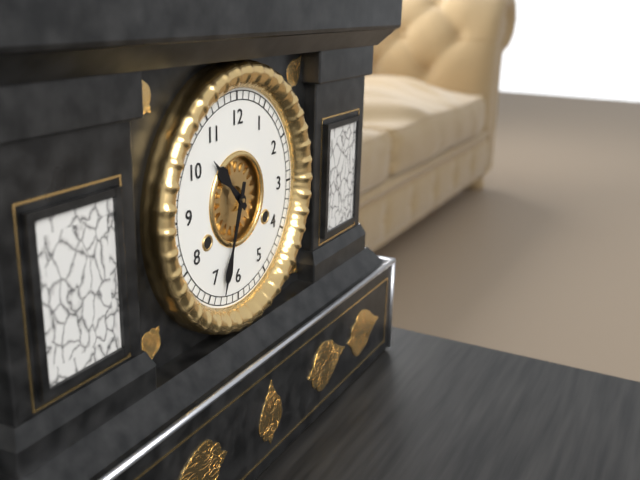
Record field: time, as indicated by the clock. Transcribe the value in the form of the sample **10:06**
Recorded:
**10:33**
